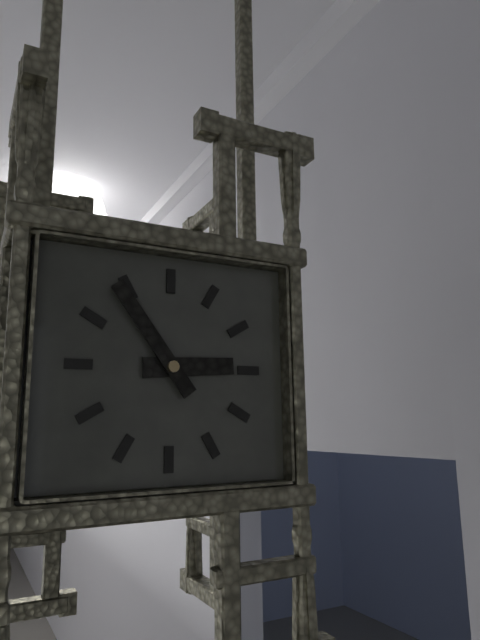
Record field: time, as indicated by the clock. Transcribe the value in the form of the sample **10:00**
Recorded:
**2:54**
